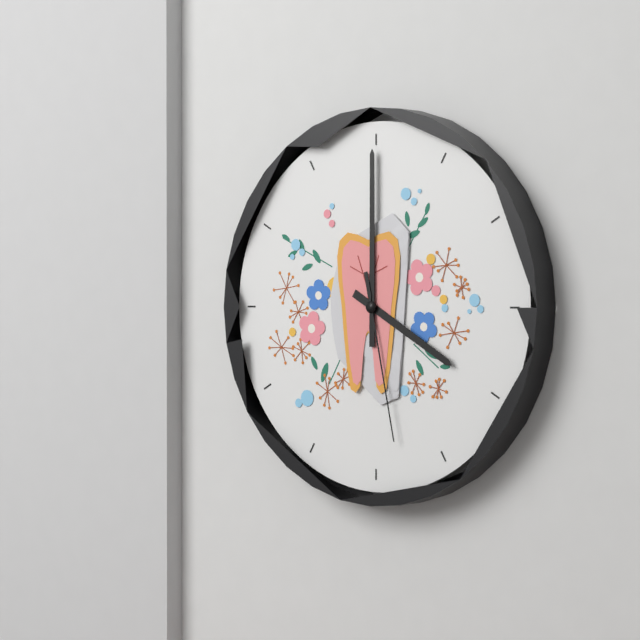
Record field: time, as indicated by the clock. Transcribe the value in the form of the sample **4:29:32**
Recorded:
**4:00:28**
